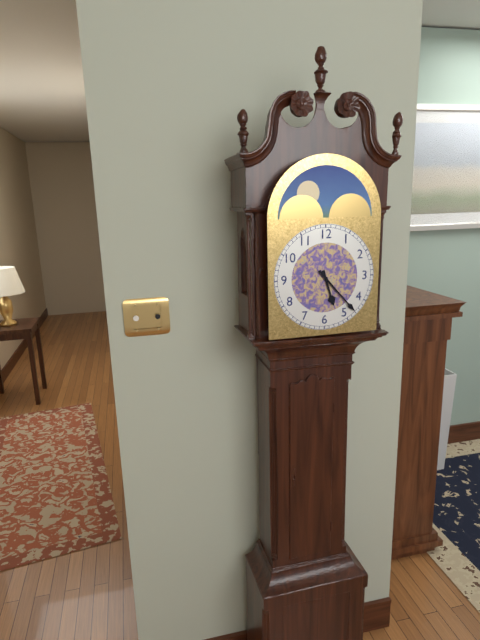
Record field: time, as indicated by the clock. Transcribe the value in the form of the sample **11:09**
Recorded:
**5:23**
